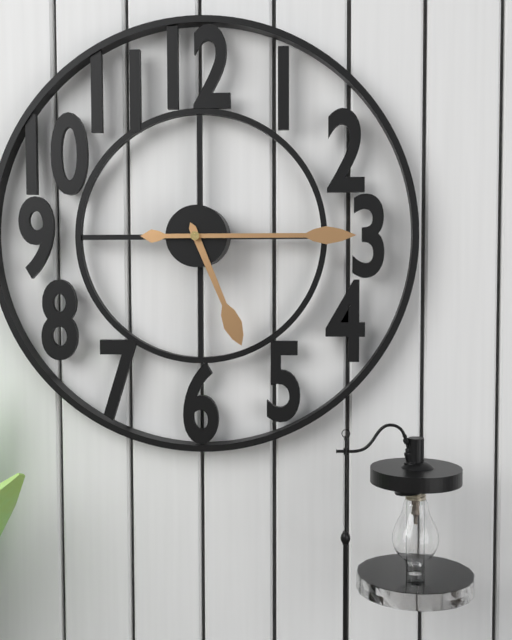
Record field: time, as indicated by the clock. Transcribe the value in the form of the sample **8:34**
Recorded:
**5:15**
